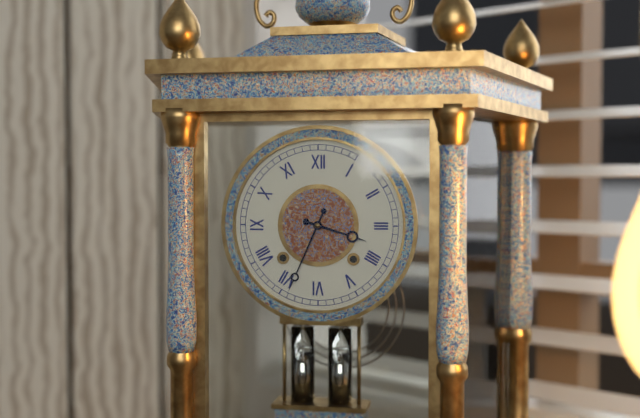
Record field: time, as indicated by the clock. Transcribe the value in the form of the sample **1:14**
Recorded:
**3:34**
